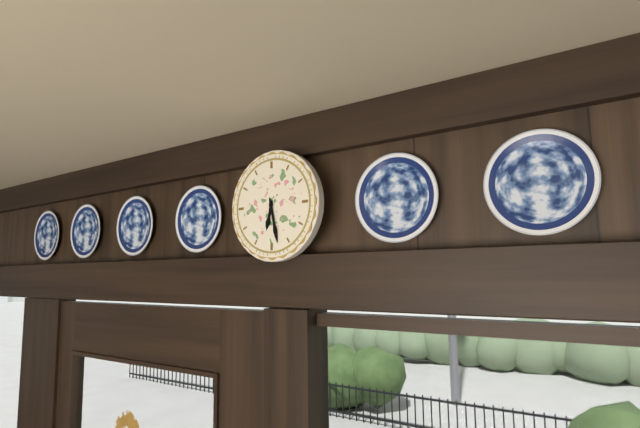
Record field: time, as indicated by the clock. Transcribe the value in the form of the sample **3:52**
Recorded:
**6:28**
